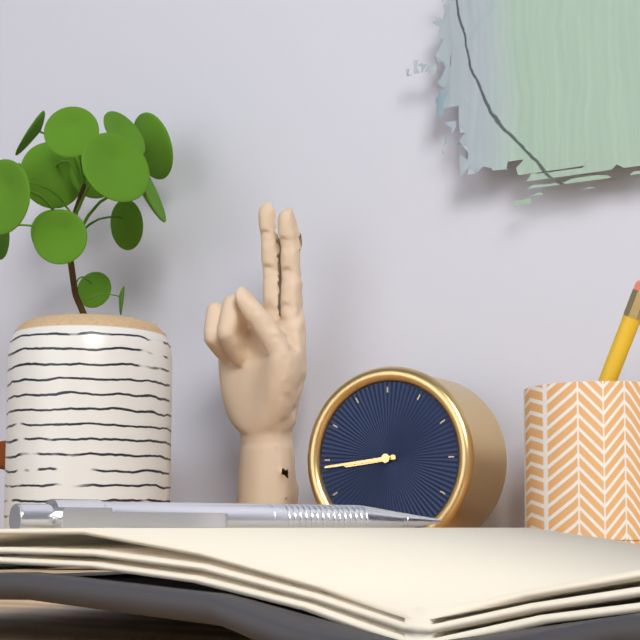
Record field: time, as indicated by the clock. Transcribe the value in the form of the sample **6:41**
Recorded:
**8:44**
